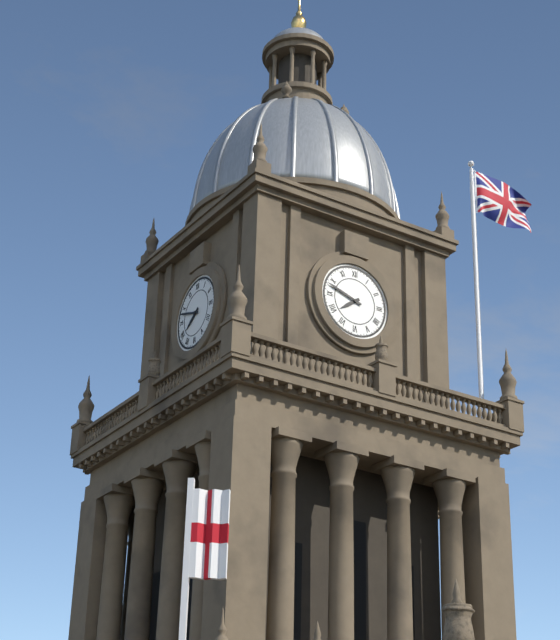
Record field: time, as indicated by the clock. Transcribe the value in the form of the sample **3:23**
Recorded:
**7:48**
